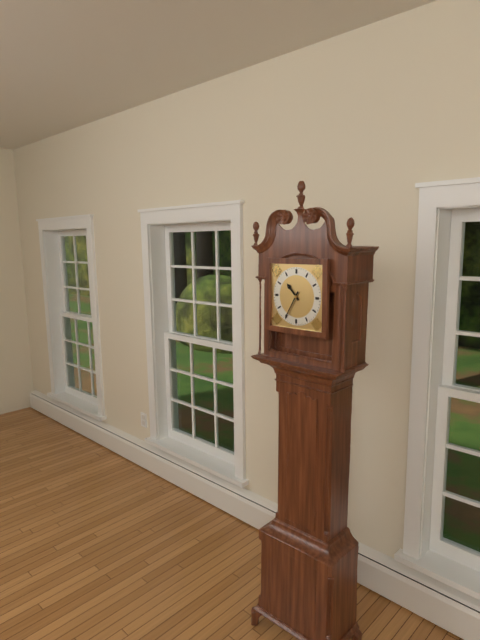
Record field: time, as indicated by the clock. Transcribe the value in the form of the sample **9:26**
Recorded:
**10:35**
